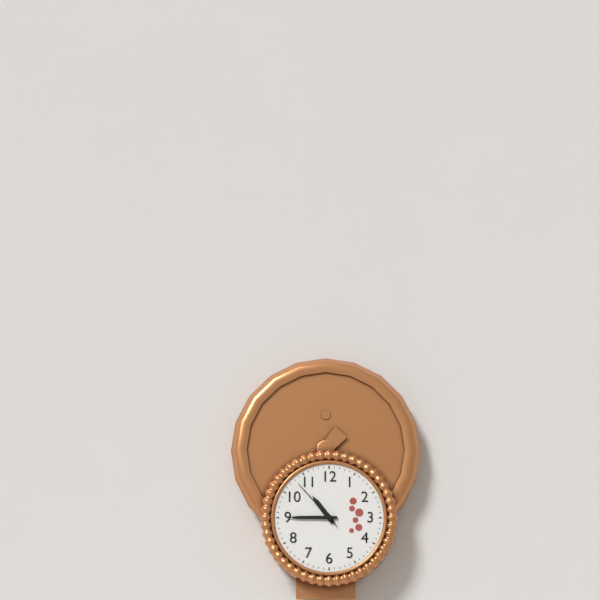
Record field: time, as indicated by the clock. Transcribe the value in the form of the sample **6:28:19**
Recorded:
**10:45:53**
